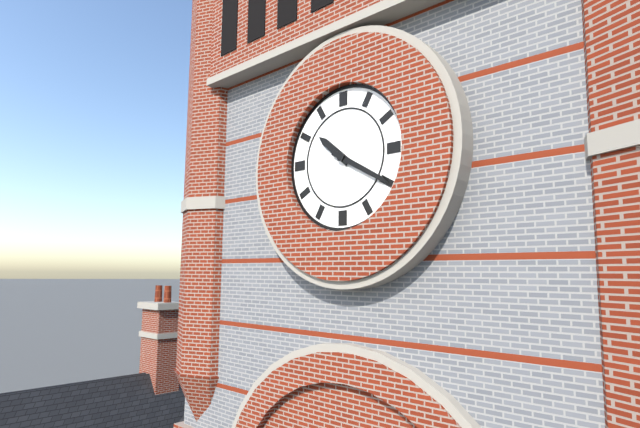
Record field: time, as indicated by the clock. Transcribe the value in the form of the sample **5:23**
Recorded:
**10:20**
